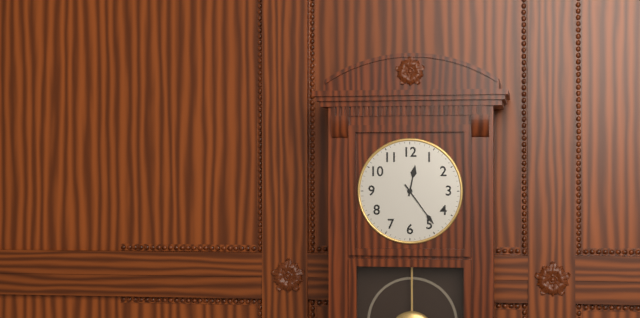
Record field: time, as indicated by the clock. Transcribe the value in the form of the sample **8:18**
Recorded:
**12:24**
